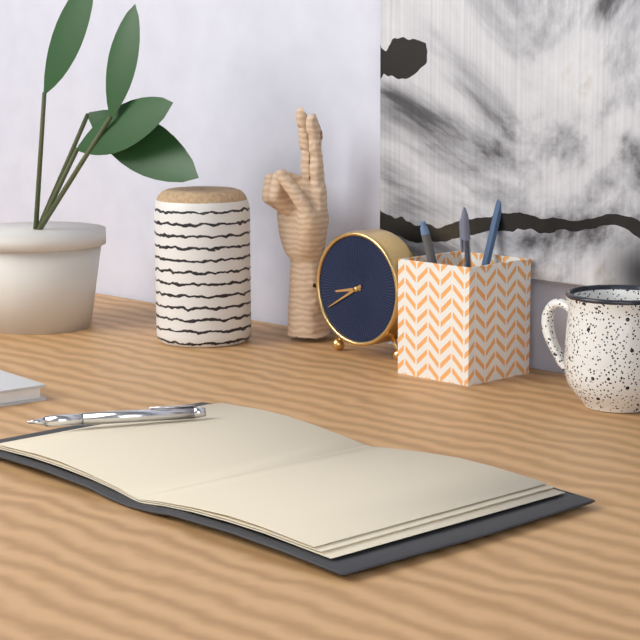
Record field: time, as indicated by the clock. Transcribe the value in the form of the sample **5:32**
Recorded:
**8:40**
